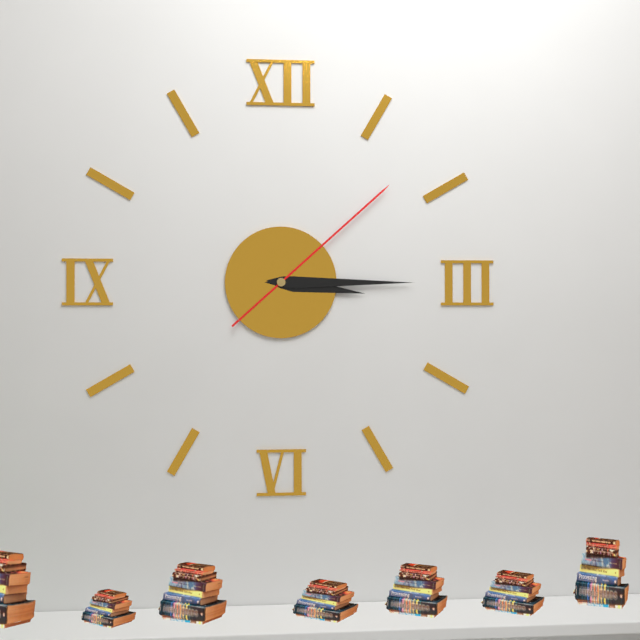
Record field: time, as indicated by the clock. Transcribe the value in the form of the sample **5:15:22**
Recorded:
**3:15:08**
